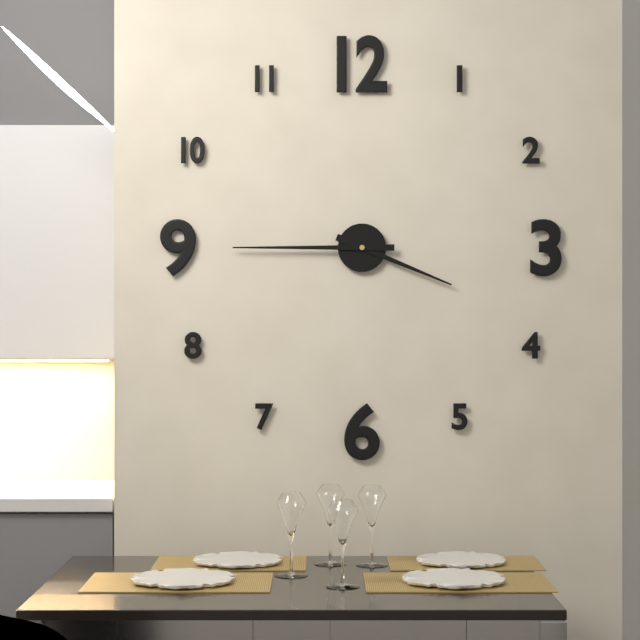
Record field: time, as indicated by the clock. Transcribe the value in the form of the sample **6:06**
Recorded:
**3:45**
